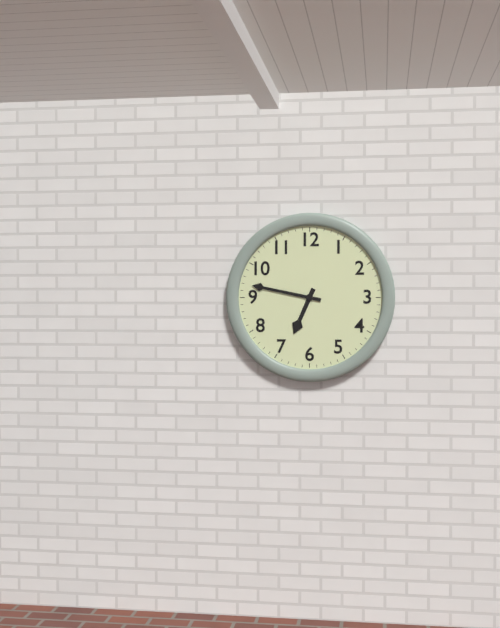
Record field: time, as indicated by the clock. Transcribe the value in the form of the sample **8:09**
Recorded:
**6:47**
